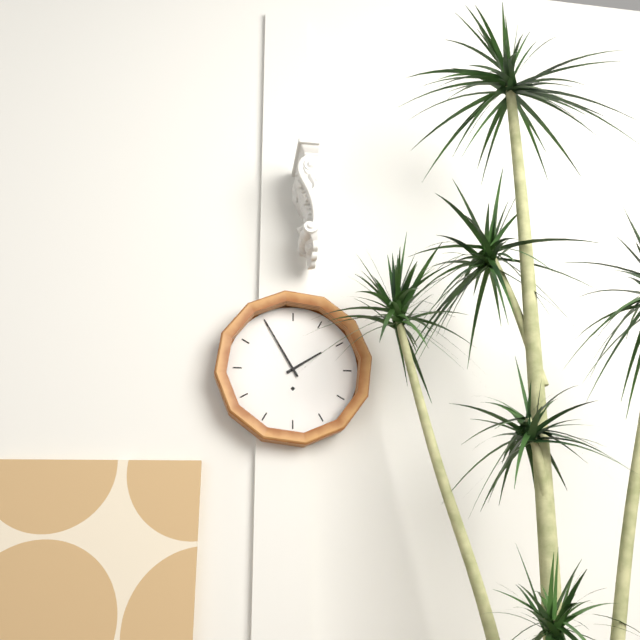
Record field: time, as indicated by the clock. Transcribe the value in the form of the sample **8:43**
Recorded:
**1:55**
